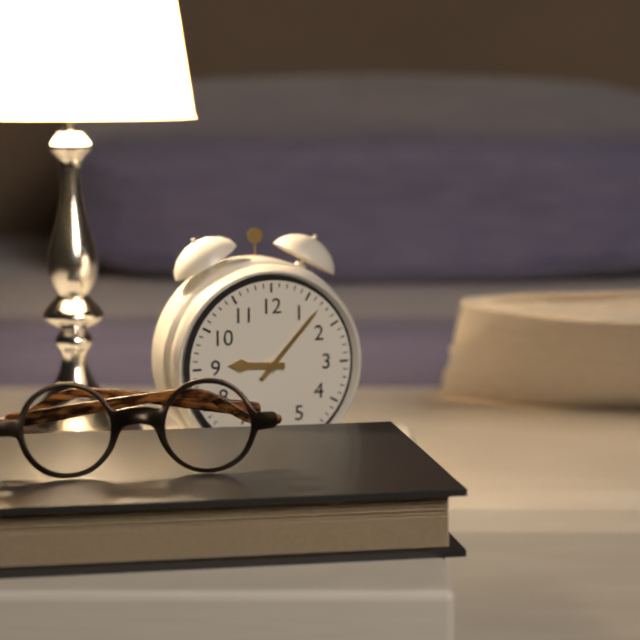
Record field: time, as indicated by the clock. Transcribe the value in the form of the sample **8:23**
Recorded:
**9:07**
